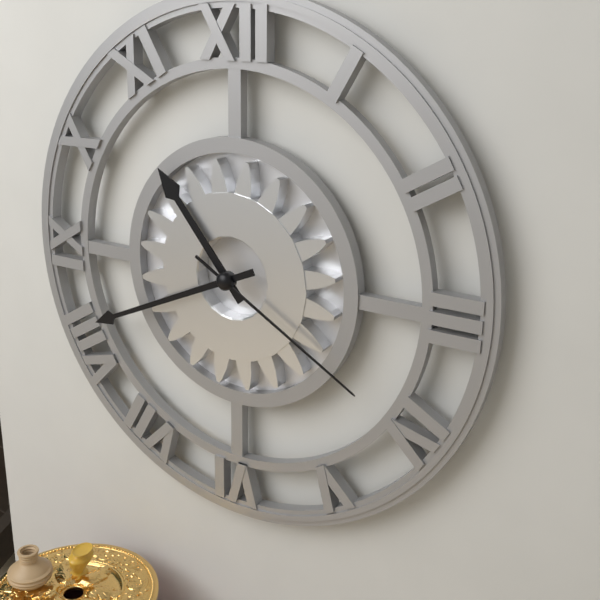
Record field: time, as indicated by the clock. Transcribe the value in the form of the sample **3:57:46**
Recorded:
**10:41:20**
